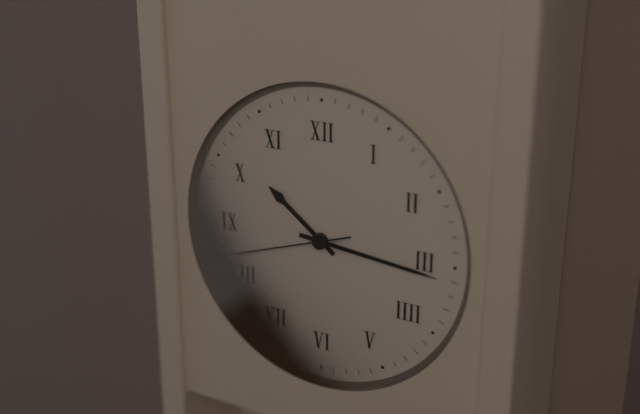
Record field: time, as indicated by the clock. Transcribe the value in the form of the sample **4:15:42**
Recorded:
**10:16:42**
